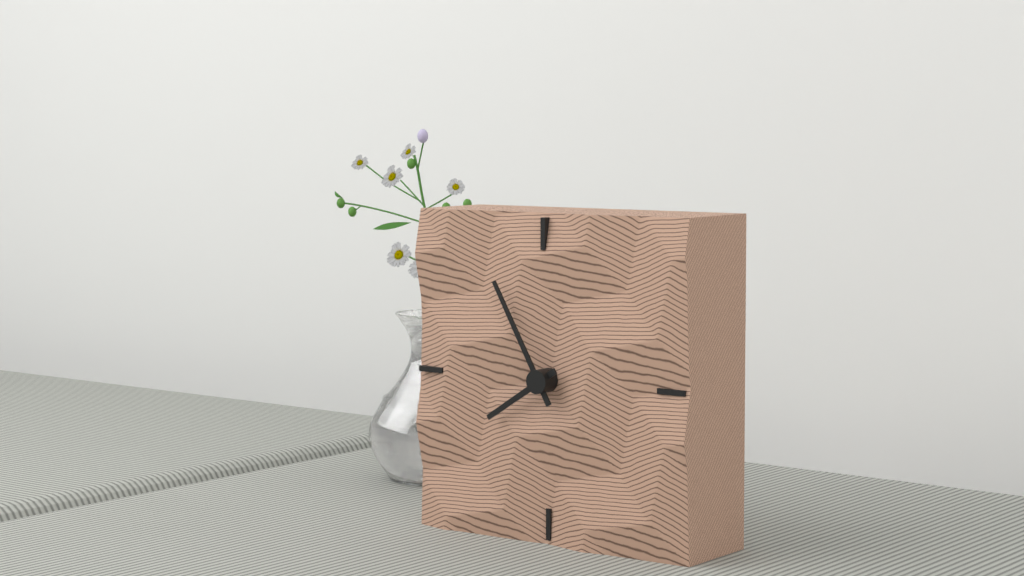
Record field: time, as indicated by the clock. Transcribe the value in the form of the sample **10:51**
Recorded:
**7:55**
